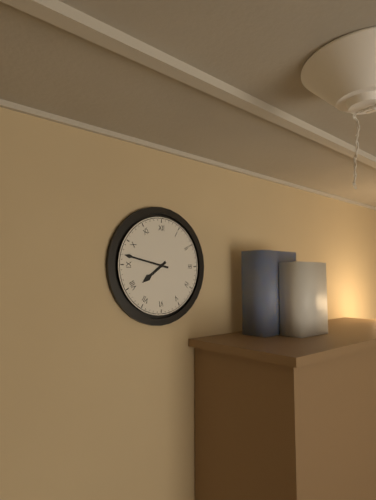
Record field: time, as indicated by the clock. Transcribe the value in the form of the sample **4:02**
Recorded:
**7:47**
